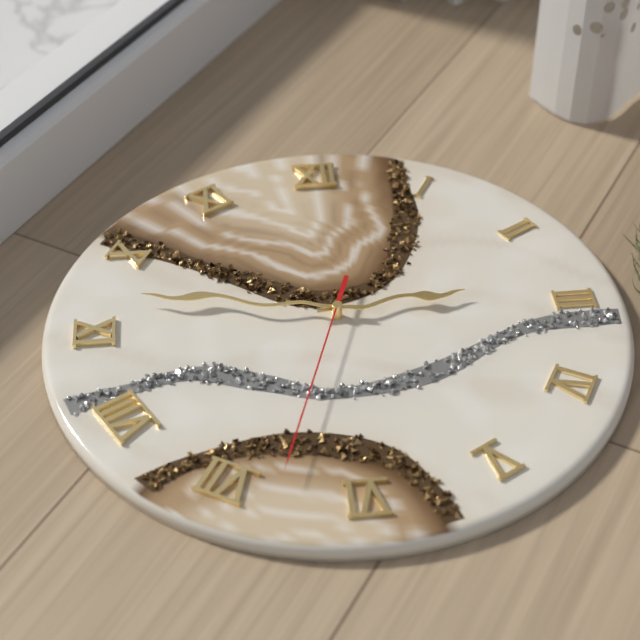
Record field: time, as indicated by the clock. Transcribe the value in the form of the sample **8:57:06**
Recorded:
**2:47:33**
